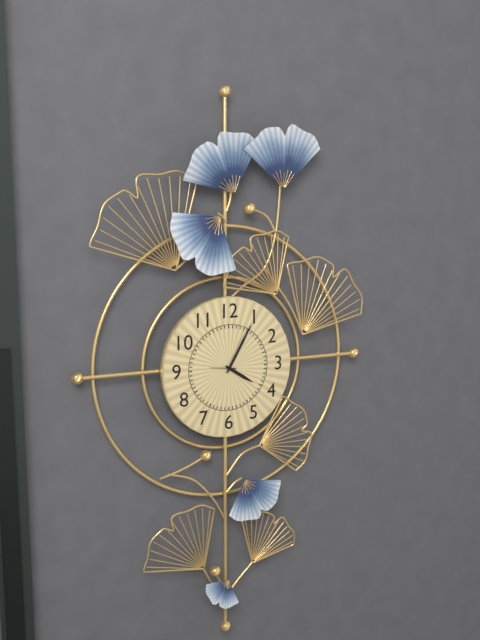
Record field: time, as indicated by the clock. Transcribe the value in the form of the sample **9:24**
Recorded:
**4:05**
